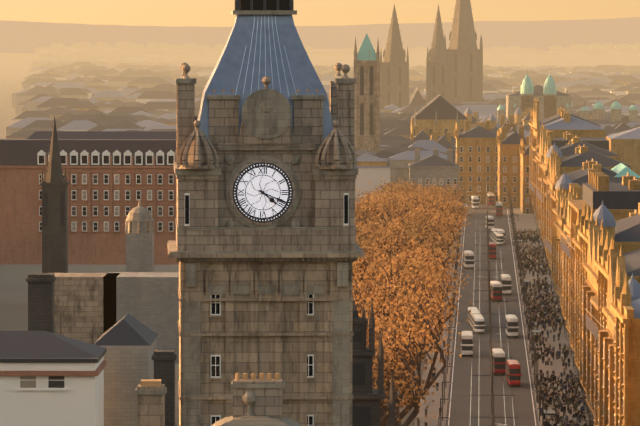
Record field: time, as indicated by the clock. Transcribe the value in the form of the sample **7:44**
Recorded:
**4:19**
